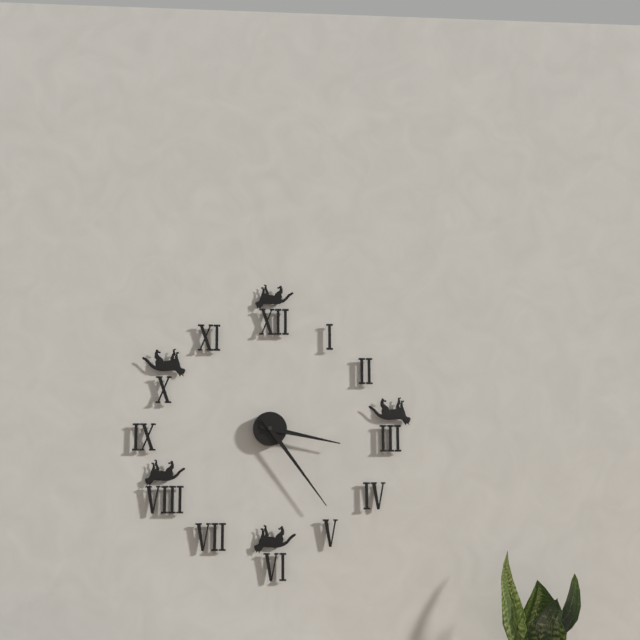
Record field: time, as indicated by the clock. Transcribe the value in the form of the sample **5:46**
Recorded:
**3:24**
